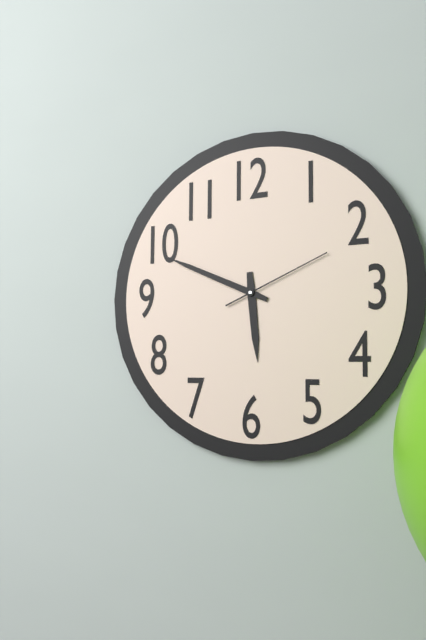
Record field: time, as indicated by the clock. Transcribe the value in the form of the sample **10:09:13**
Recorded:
**5:49:11**
